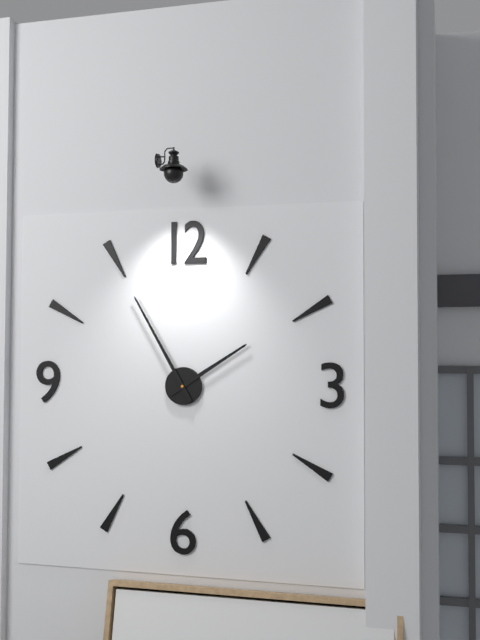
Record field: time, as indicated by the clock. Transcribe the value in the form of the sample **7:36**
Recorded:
**1:55**
